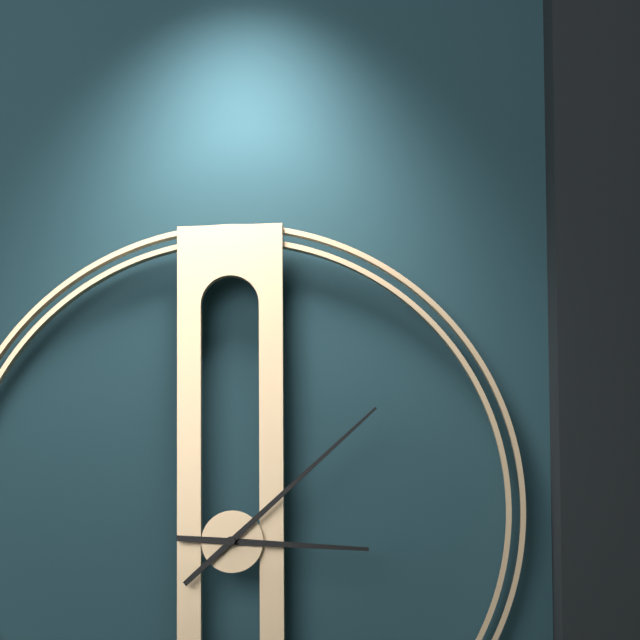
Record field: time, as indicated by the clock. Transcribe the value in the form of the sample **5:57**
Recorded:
**3:08**
